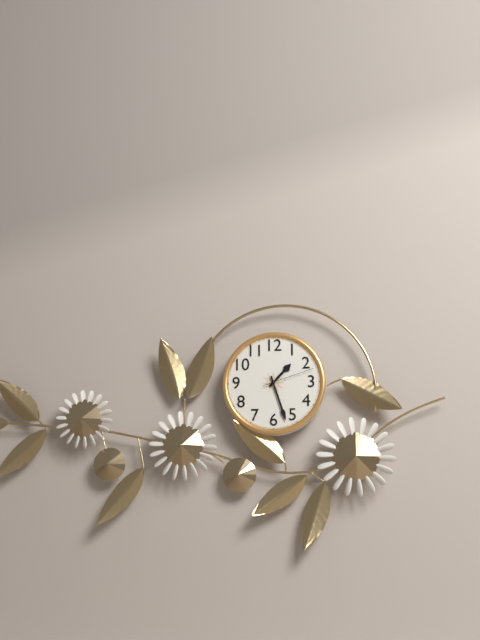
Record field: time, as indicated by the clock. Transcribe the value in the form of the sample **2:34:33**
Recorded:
**1:27:12**
